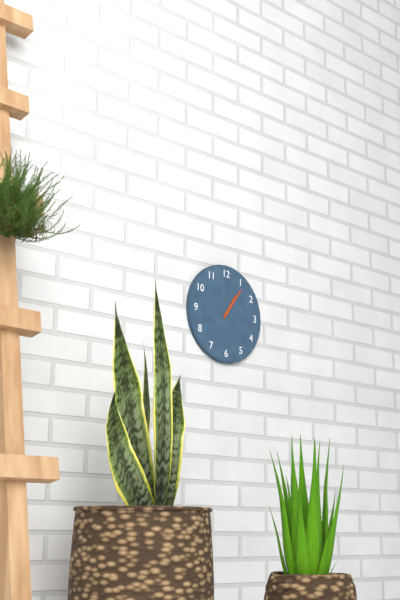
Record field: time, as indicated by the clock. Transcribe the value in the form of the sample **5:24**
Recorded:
**1:06**
